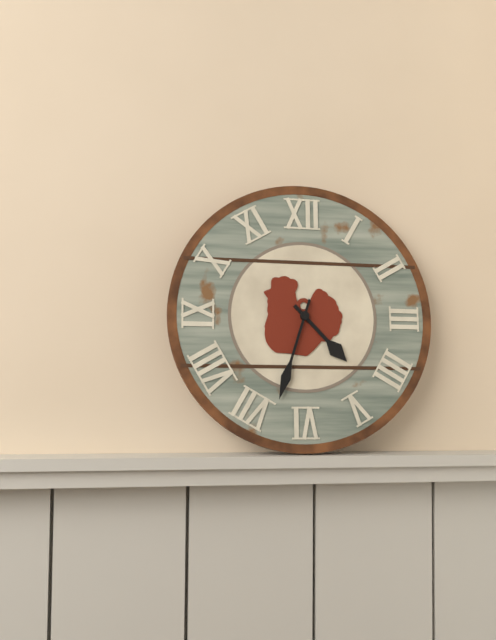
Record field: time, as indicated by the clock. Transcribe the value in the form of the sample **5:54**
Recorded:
**4:33**
